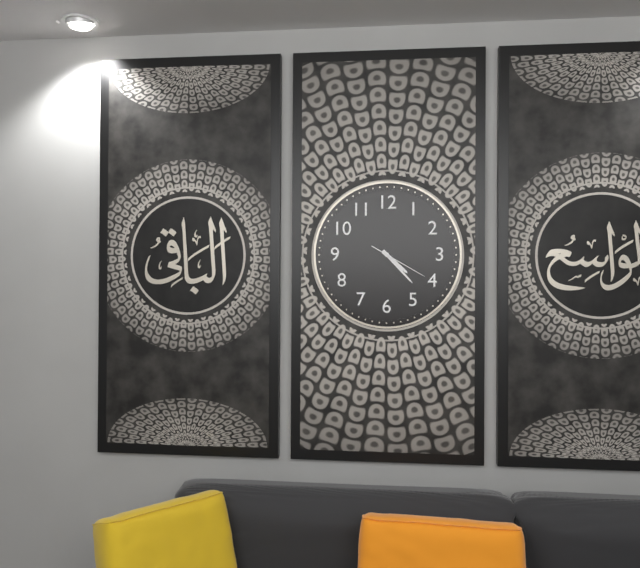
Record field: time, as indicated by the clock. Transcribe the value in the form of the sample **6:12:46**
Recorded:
**4:23:20**
